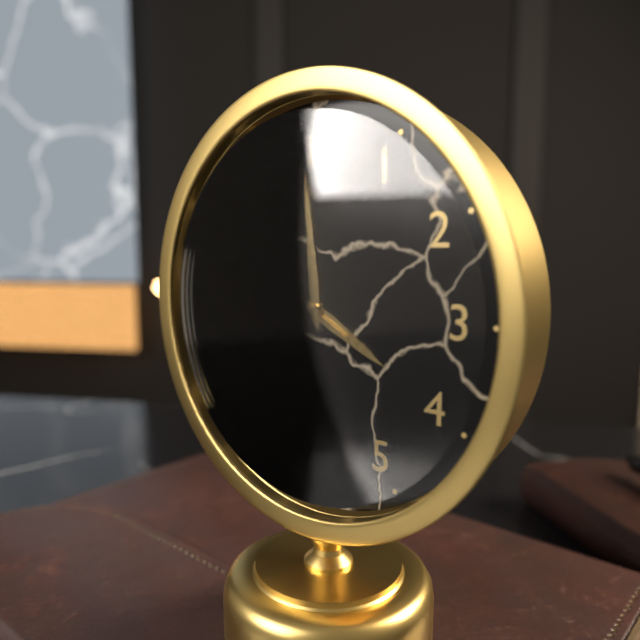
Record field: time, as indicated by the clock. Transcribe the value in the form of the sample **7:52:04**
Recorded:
**3:59:50**
